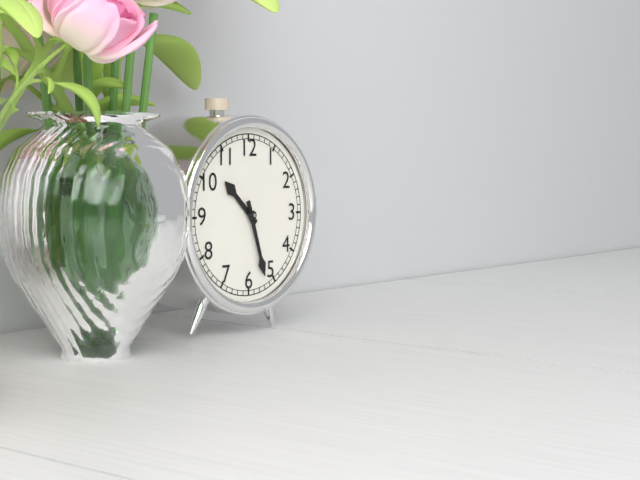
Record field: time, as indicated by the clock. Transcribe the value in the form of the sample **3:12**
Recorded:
**10:27**
